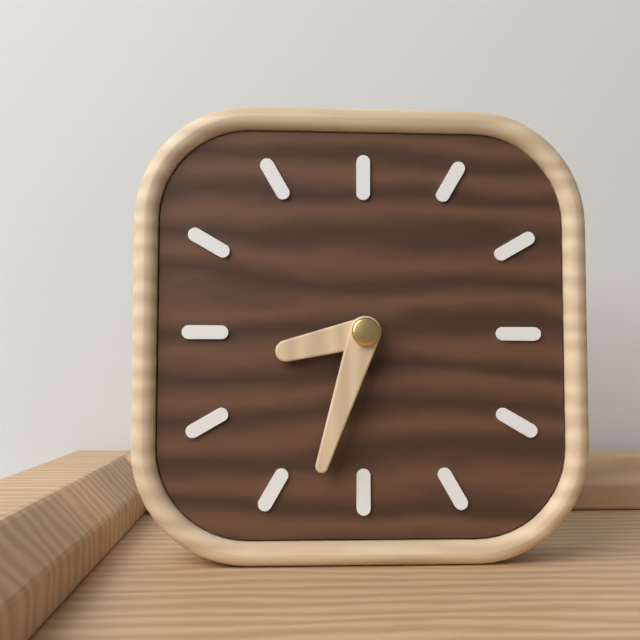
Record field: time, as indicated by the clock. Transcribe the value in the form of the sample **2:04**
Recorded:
**8:33**
